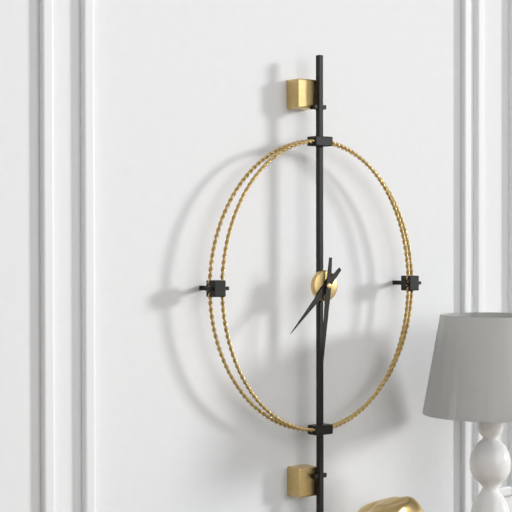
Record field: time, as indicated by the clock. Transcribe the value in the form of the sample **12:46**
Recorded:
**7:31**
